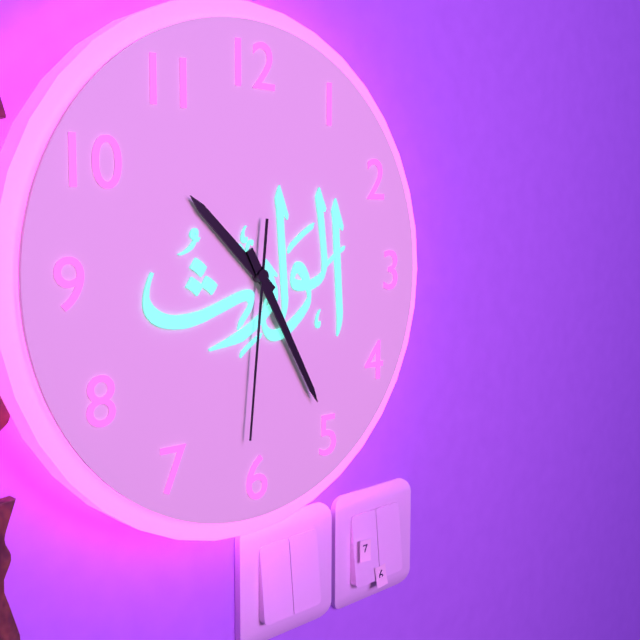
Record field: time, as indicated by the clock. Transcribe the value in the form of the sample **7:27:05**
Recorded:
**10:25:31**
